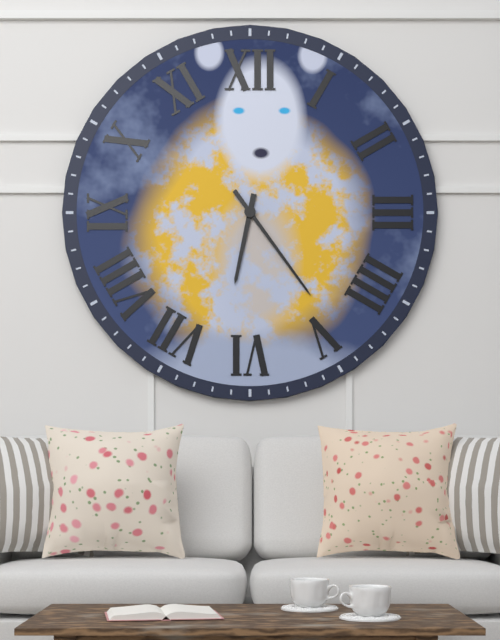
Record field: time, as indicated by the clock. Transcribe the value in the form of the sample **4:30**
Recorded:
**6:24**
